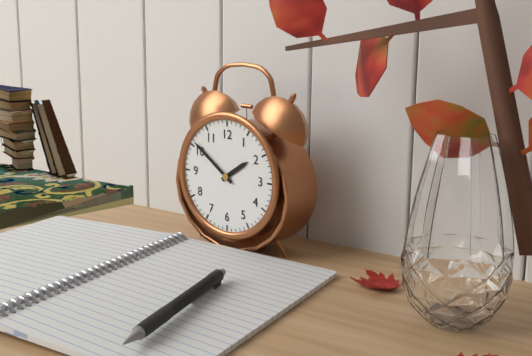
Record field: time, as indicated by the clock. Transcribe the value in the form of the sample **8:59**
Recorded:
**1:51**
